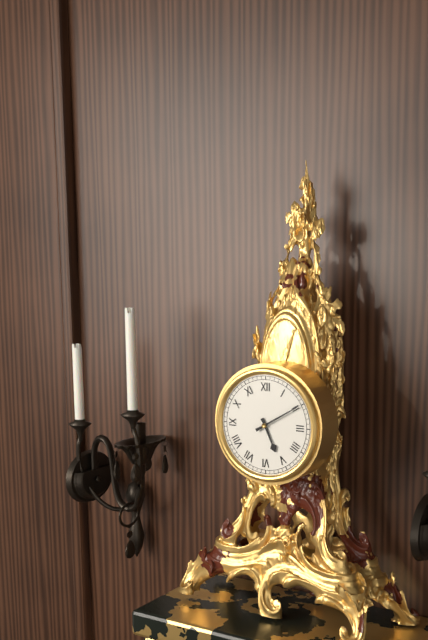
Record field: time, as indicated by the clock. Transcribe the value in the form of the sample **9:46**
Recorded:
**5:10**
